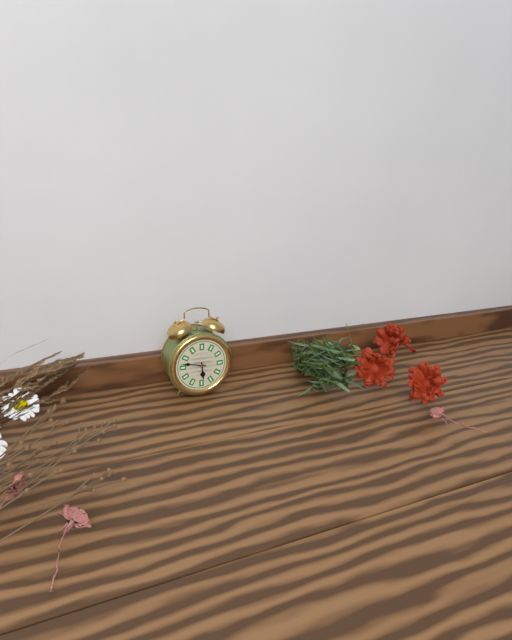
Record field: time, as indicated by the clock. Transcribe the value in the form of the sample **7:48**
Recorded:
**5:47**
